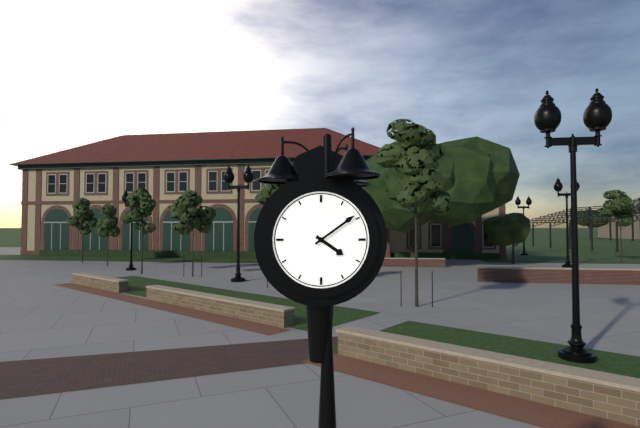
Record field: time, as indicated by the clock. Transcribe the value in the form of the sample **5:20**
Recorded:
**4:09**
